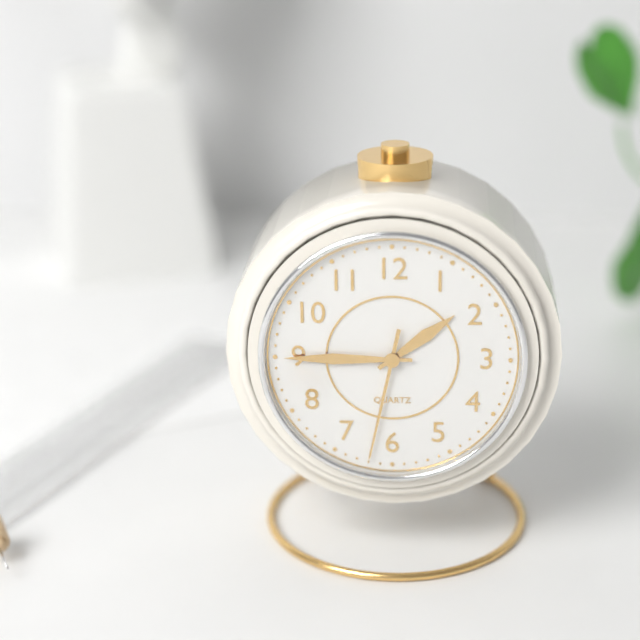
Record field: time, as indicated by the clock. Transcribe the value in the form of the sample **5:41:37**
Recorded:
**1:45:32**
